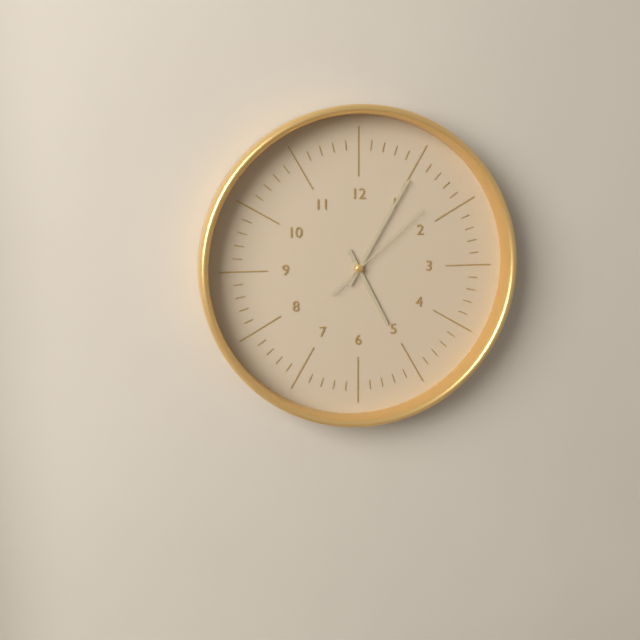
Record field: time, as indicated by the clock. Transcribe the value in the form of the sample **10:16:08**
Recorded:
**5:05:08**
